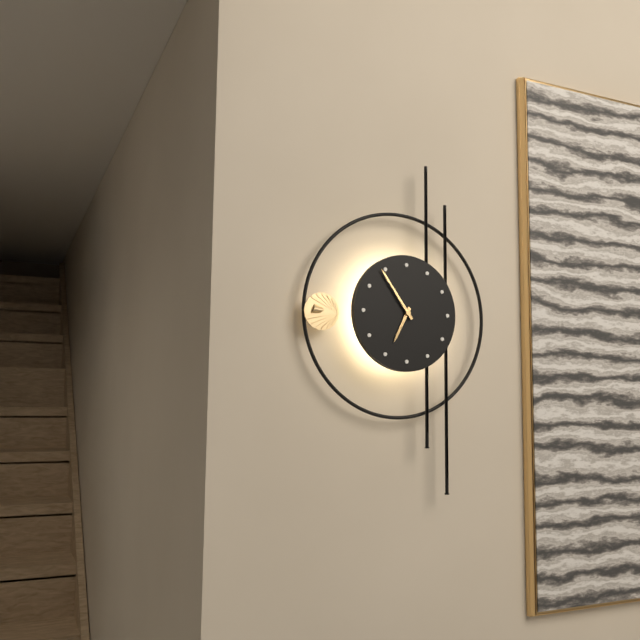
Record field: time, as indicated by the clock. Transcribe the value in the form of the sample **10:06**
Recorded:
**6:54**
